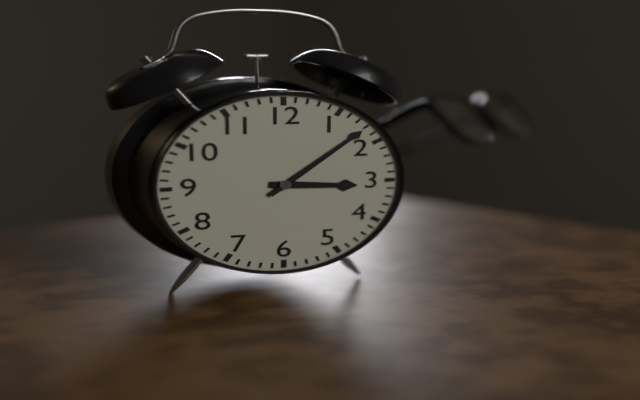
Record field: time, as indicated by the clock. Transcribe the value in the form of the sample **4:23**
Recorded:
**3:08**
